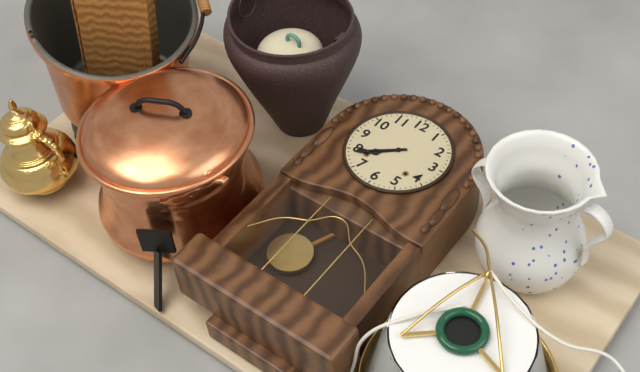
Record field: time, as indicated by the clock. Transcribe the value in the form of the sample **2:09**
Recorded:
**7:39**
